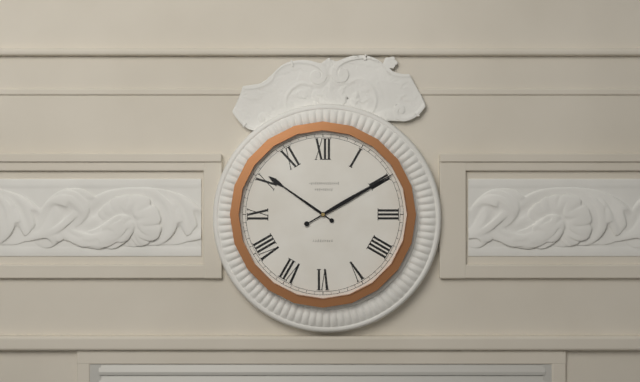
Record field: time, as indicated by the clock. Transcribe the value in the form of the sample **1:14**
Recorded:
**10:10**
